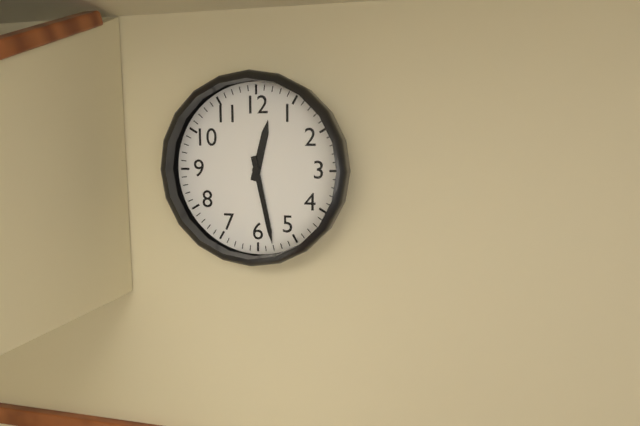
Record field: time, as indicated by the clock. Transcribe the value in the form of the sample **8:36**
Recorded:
**12:28**
